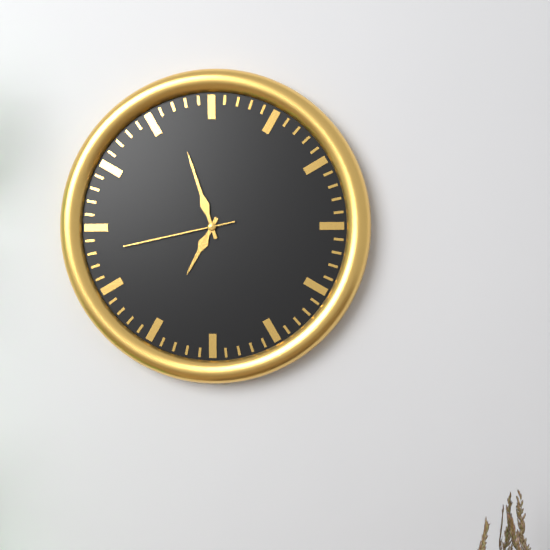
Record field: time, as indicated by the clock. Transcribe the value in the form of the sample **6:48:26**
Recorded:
**6:57:43**
